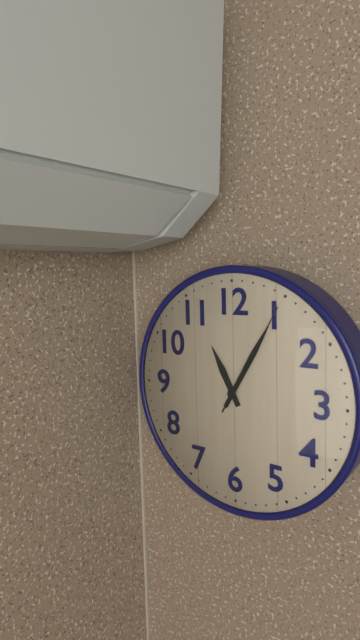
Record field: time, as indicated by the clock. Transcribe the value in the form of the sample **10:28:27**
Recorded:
**11:05:05**
